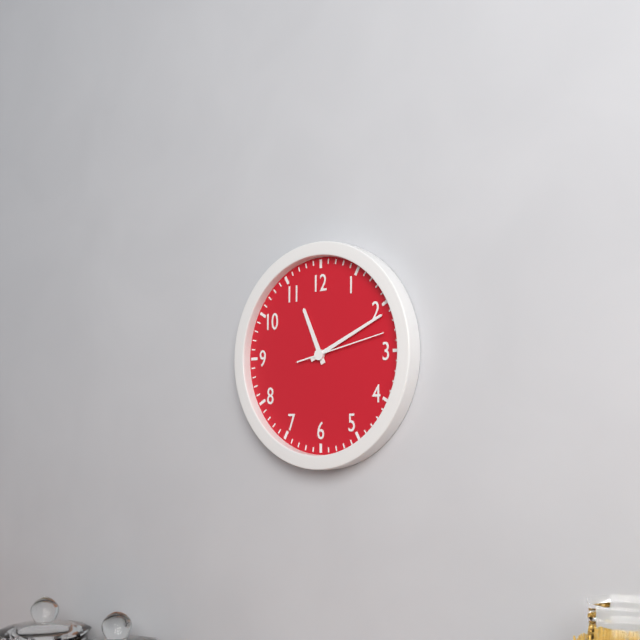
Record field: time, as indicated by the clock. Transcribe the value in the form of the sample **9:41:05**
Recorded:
**11:11:13**
